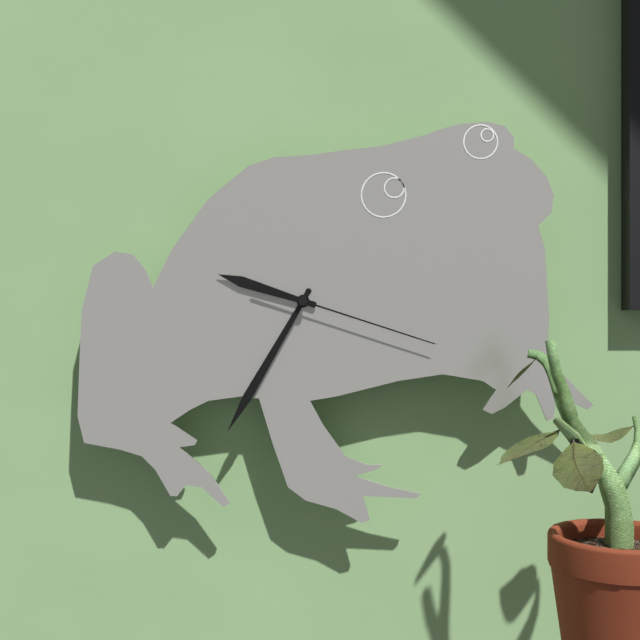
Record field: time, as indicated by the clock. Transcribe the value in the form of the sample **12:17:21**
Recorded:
**9:35:18**
